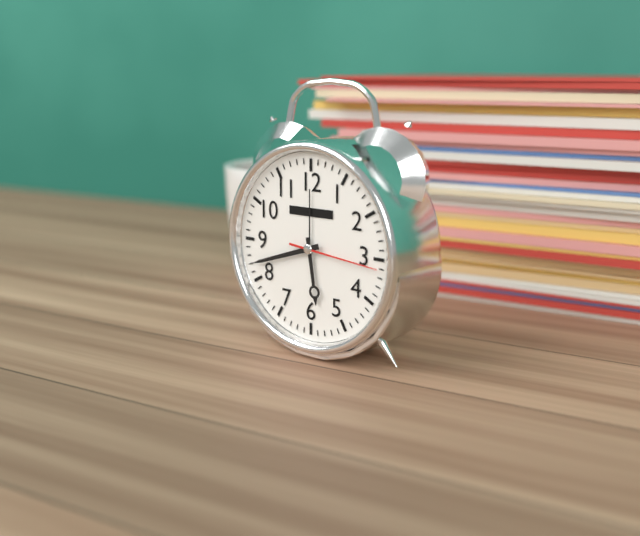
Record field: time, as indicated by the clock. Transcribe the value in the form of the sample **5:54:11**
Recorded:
**5:42:16**
